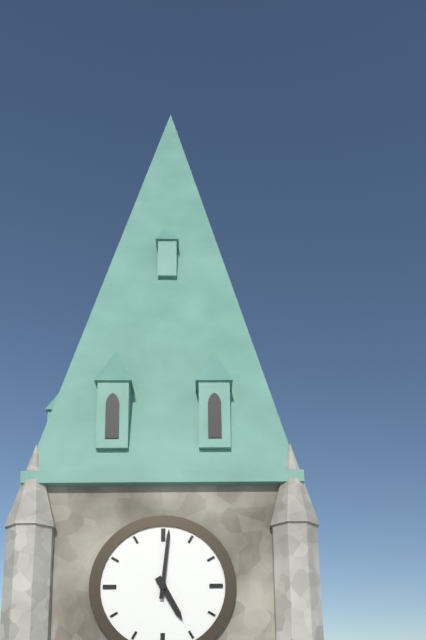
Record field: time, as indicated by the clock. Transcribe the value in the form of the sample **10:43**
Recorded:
**5:01**
